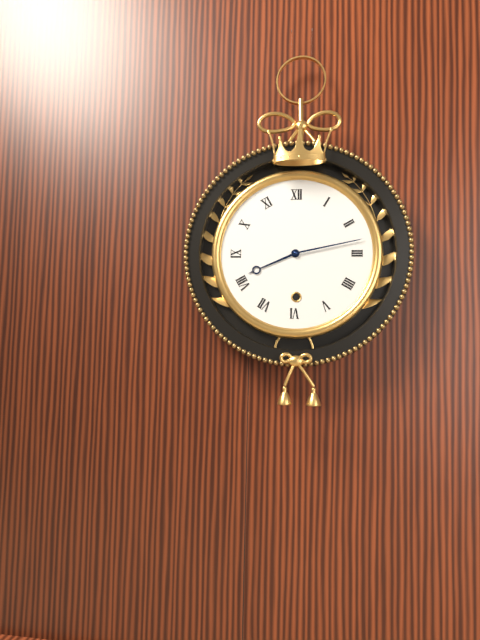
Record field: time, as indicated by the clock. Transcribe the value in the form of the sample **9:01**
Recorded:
**8:13**
